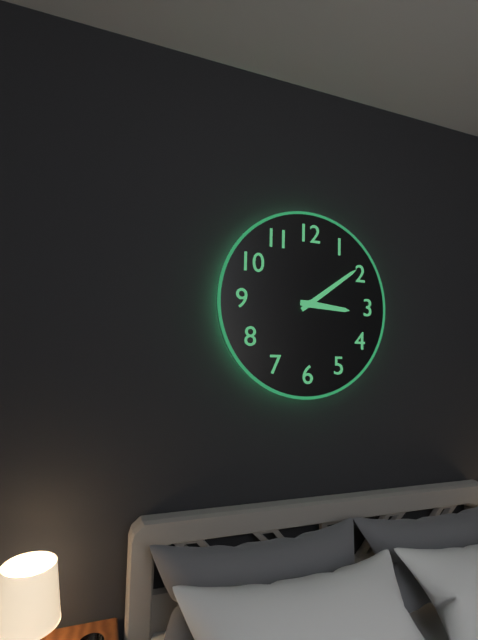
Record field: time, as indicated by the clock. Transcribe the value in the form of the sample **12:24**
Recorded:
**3:09**
